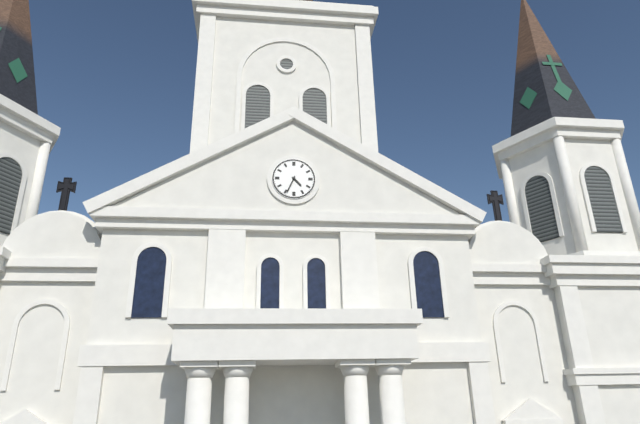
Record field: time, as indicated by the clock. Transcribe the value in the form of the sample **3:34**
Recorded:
**4:34**
